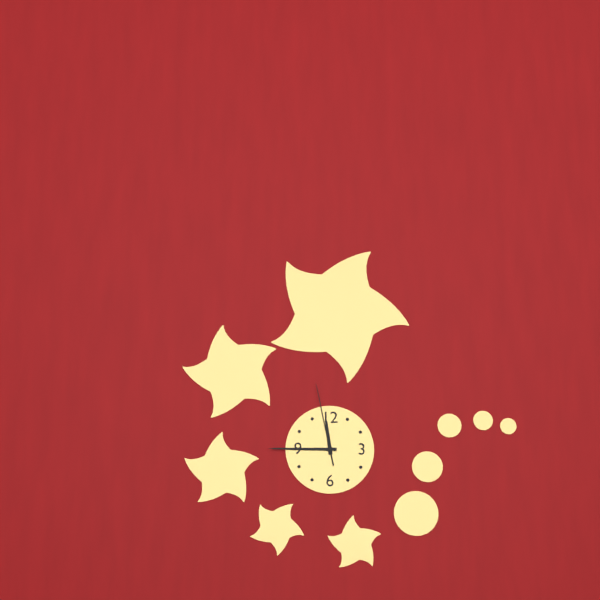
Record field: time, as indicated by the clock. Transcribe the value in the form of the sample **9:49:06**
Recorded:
**11:45:58**
